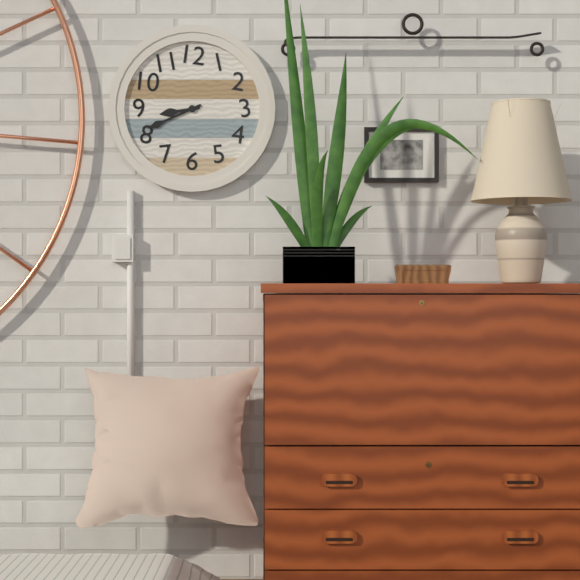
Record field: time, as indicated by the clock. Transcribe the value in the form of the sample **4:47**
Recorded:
**8:41**
